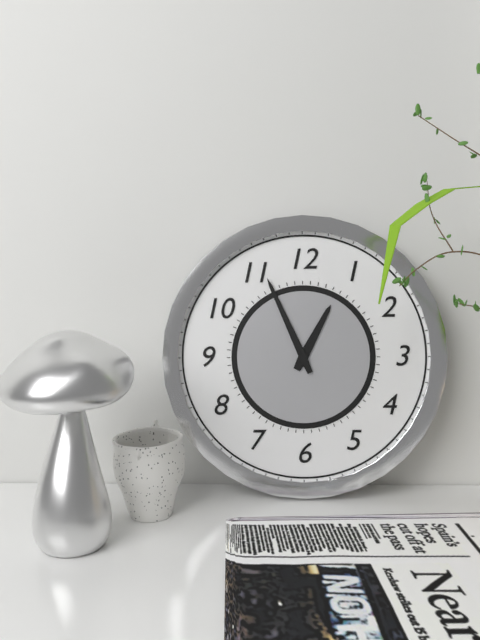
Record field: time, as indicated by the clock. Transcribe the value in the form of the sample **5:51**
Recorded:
**12:56**
